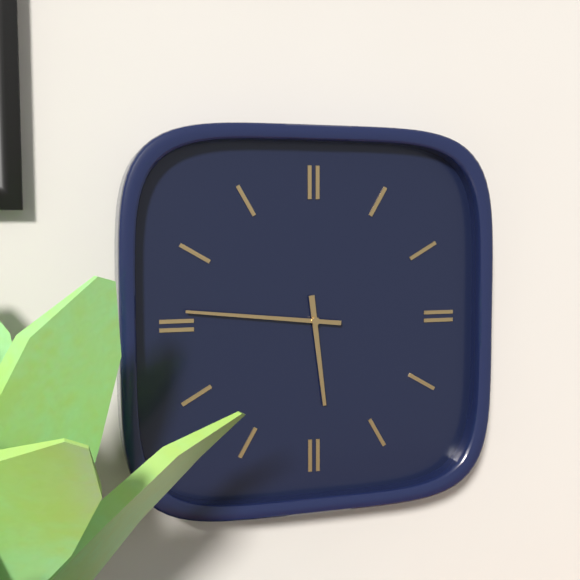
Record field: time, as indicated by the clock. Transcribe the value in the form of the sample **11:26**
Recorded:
**5:46**
